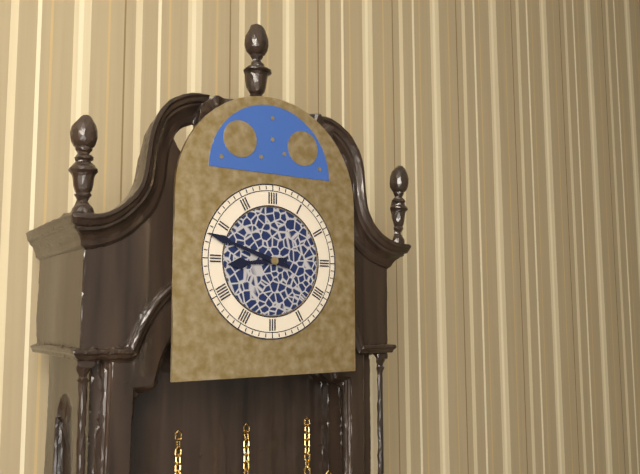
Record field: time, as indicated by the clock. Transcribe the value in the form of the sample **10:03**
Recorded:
**8:48**
